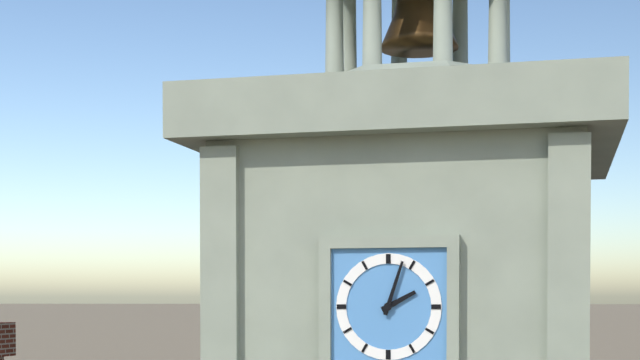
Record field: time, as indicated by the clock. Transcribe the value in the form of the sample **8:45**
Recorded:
**2:03**
